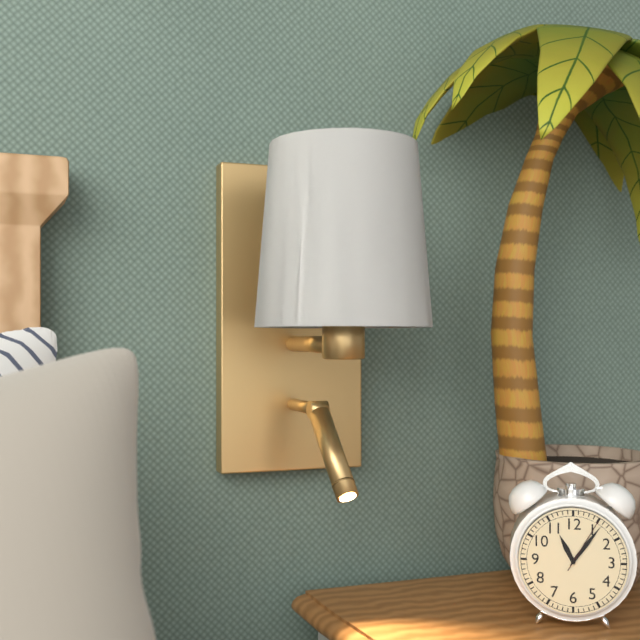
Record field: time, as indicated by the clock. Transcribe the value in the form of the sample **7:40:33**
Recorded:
**11:06:05**
